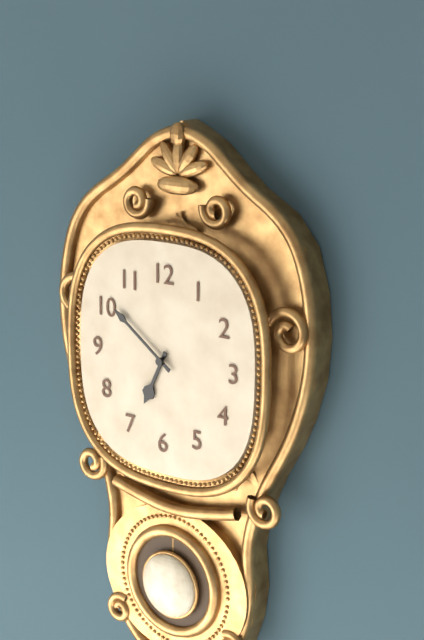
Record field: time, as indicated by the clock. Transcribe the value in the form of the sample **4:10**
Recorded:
**6:51**
